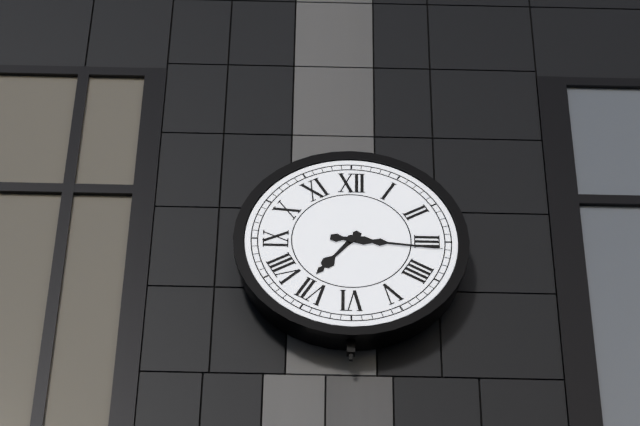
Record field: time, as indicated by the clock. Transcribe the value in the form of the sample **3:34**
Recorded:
**7:16**
